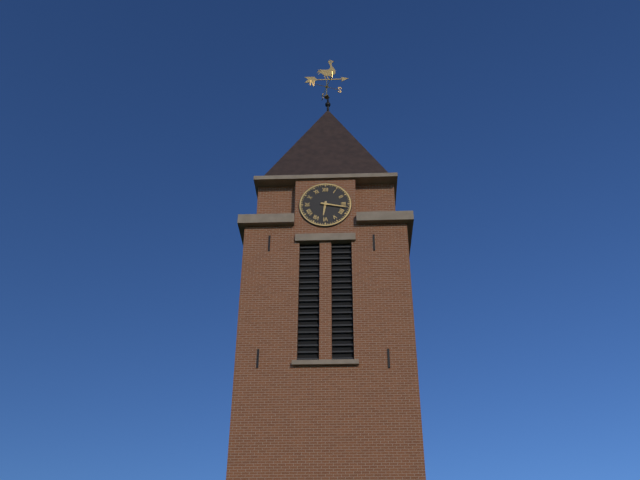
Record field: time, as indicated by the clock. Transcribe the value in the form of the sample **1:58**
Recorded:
**6:17**
